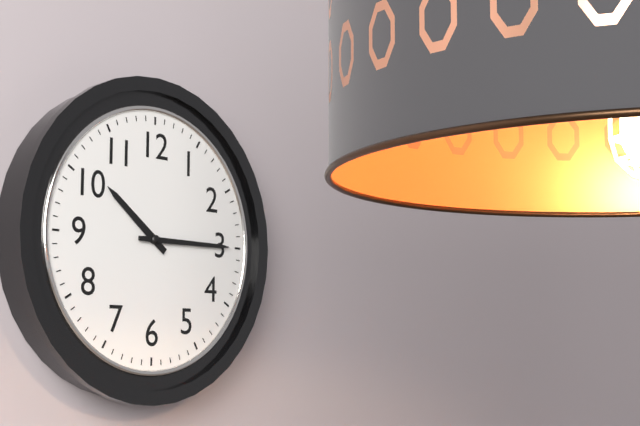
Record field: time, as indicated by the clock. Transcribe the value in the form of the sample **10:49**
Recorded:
**10:15**
